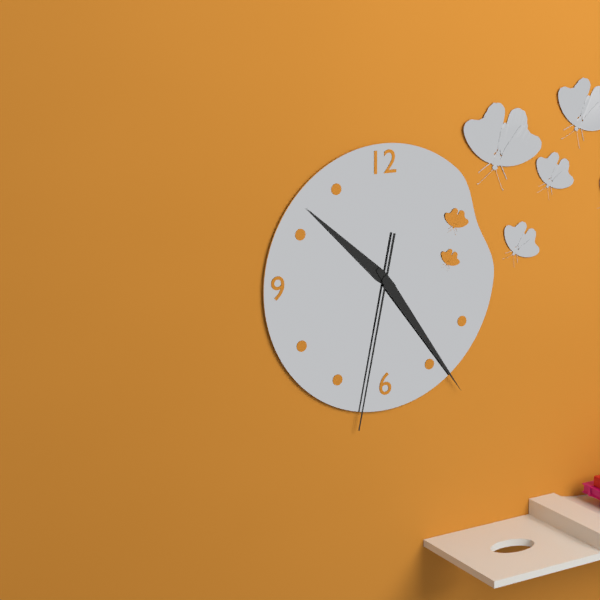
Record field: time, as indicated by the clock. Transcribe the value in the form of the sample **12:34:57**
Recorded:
**10:24:32**
